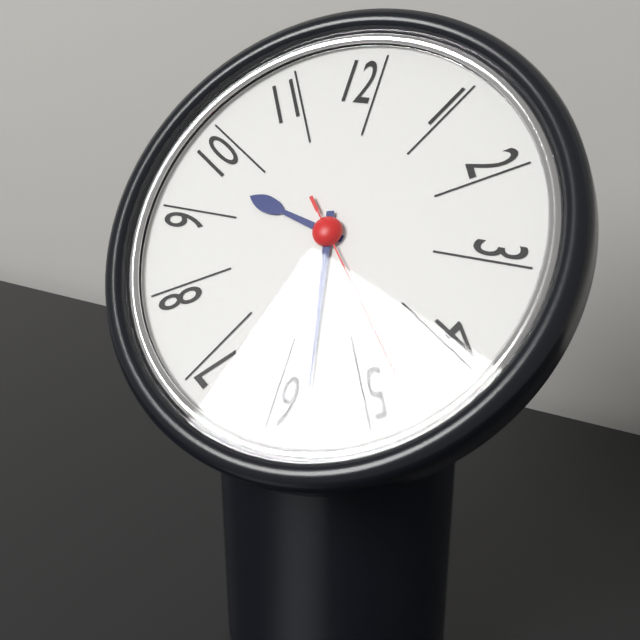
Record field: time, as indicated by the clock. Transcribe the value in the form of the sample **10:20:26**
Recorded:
**9:28:23**
